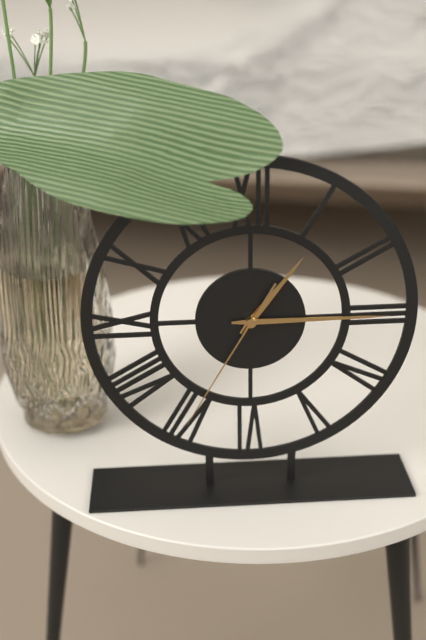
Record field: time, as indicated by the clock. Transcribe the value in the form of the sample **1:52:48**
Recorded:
**1:15:35**
